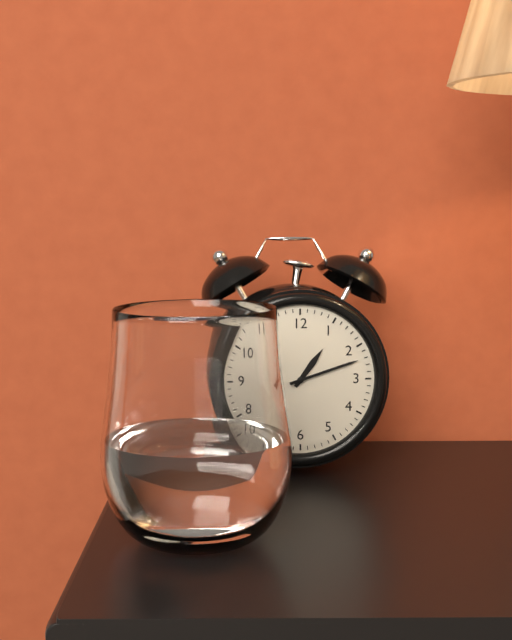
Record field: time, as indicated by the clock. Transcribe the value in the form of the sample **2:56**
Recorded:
**1:12**
